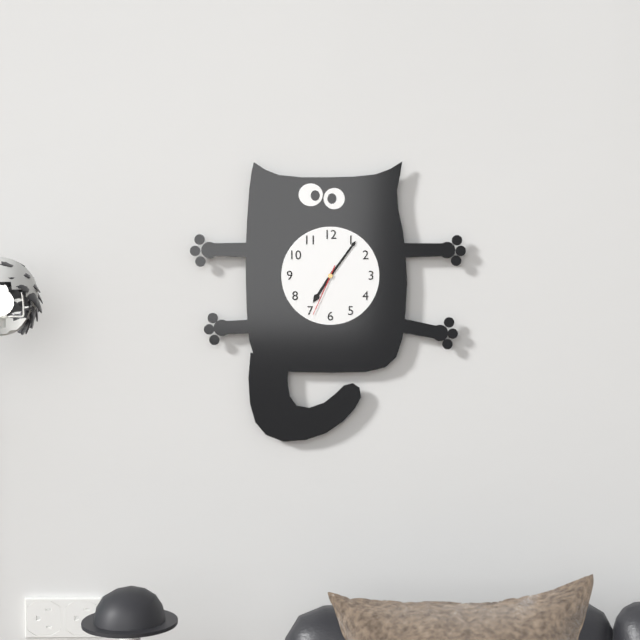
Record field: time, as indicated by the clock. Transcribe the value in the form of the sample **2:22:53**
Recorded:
**7:06:34**
